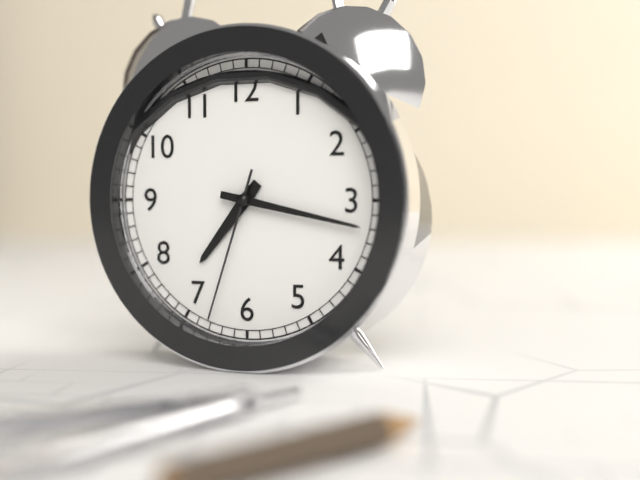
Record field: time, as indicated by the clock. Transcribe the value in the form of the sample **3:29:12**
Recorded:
**7:17:33**
